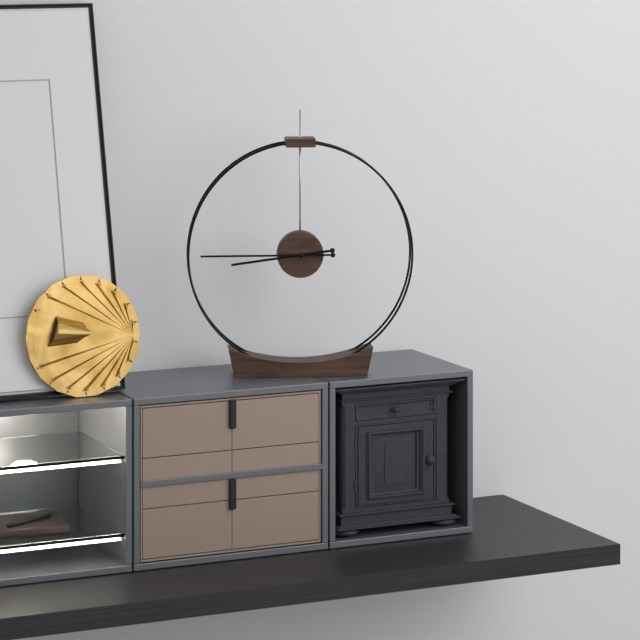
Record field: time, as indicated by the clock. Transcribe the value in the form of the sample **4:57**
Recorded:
**8:45**
